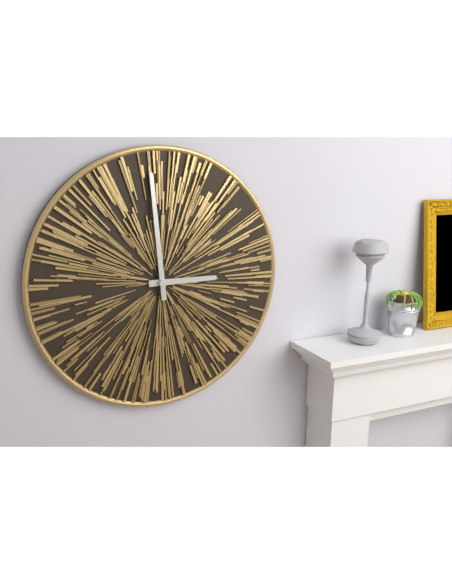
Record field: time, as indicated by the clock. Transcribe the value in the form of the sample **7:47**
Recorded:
**2:59**
